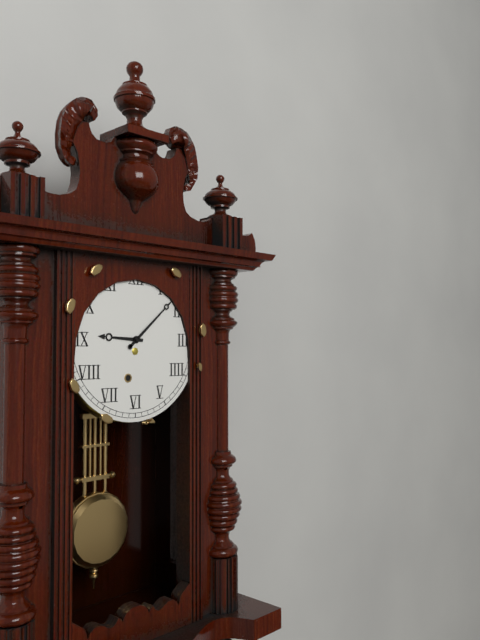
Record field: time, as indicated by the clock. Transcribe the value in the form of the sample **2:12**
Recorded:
**9:08**
